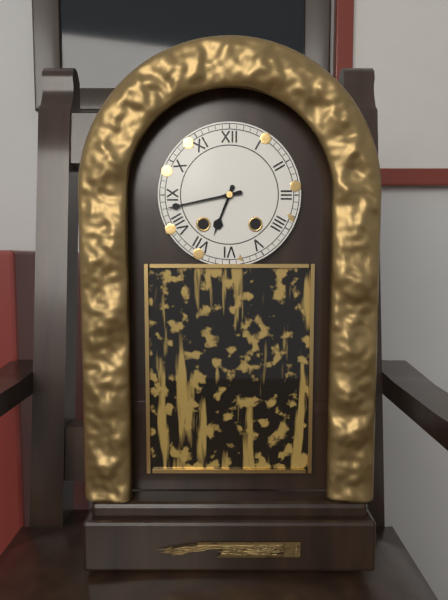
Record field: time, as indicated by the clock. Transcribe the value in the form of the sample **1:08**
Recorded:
**6:43**
